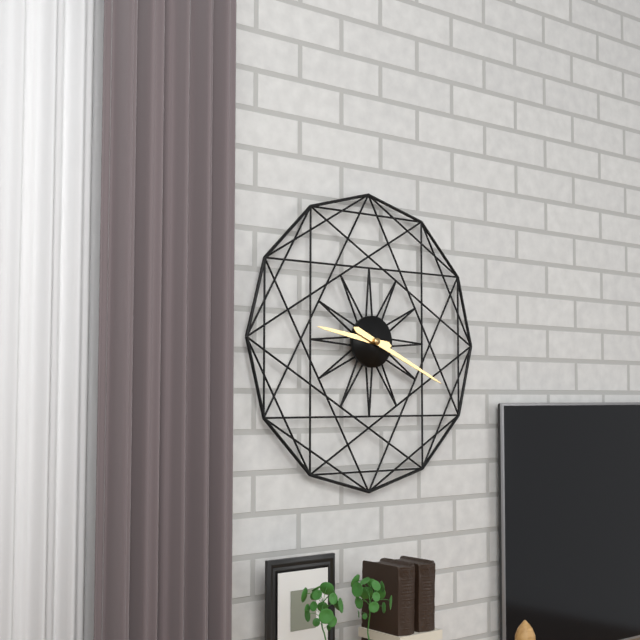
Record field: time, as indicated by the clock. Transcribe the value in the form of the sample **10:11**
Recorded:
**9:19**
